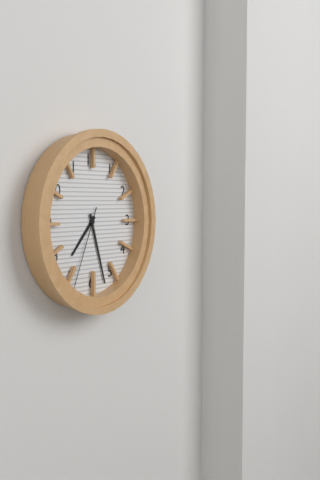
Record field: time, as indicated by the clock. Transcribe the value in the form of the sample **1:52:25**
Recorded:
**7:27:34**
